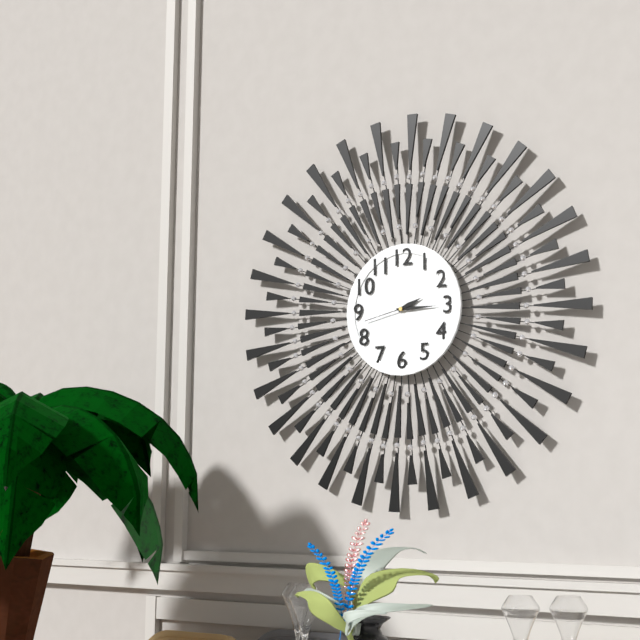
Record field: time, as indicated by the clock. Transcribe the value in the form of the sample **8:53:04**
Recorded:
**2:15:43**
